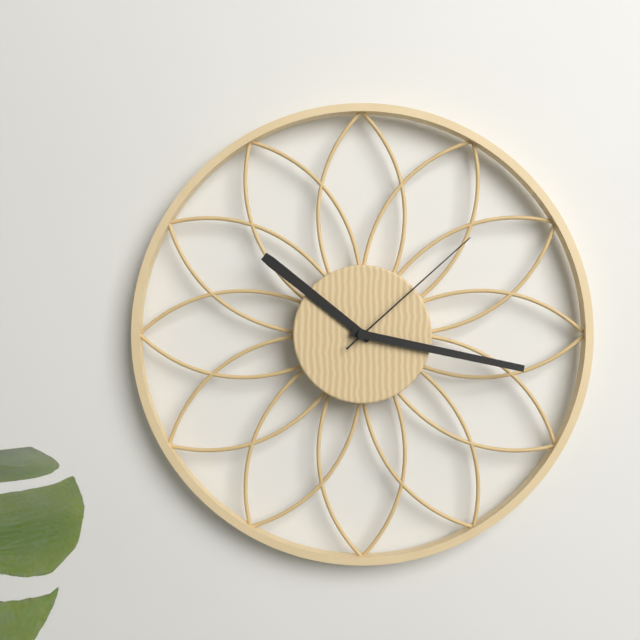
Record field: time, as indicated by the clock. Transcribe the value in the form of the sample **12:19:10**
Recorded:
**10:17:08**
